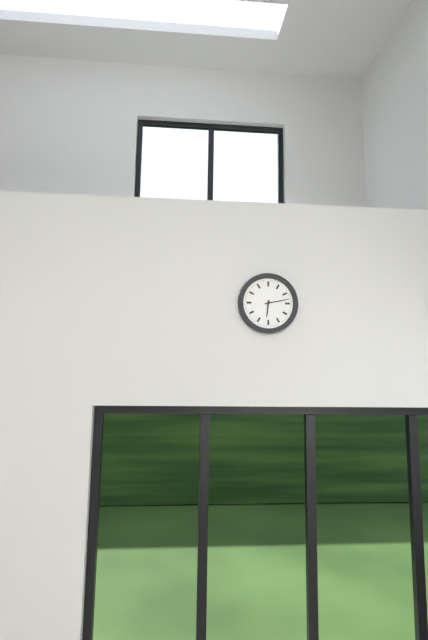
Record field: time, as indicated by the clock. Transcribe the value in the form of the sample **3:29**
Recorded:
**6:13**
